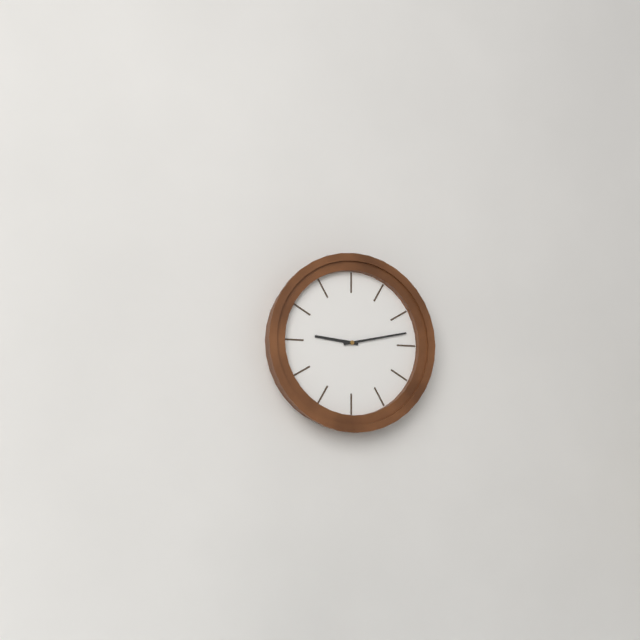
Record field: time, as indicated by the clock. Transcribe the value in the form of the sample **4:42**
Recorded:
**9:13**
